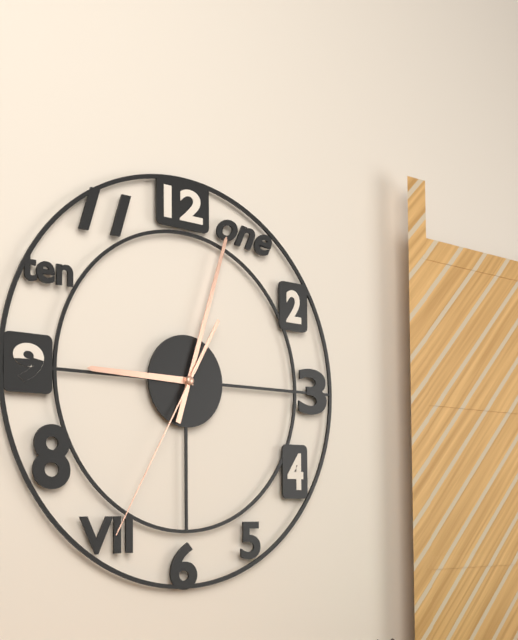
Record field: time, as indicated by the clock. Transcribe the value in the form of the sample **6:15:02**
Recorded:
**9:03:35**
